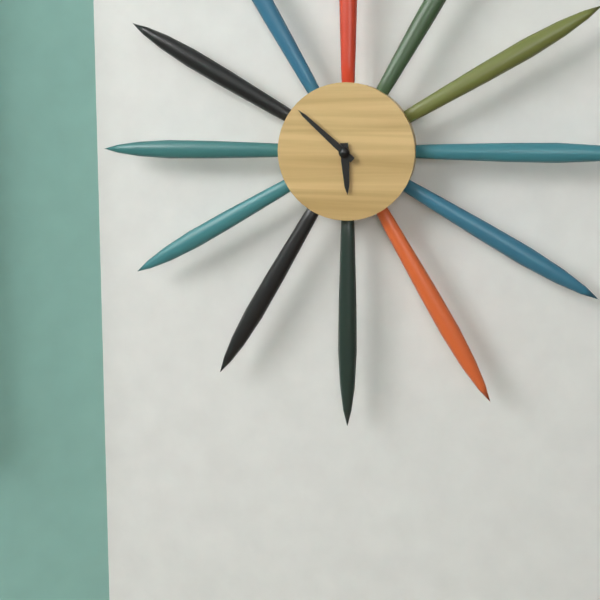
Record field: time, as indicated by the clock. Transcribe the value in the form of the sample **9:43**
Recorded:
**5:52**
